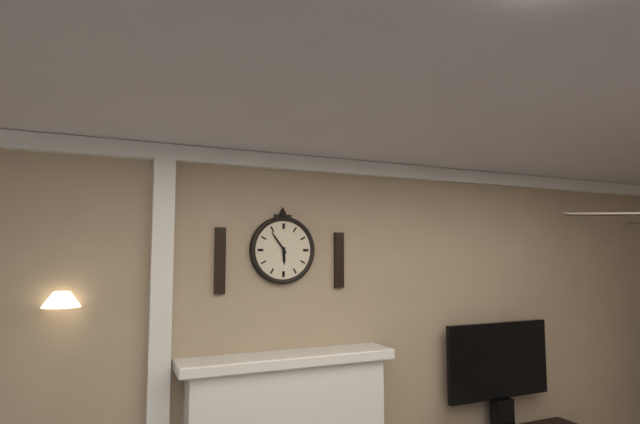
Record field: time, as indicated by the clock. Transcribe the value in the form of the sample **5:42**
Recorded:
**5:54**
